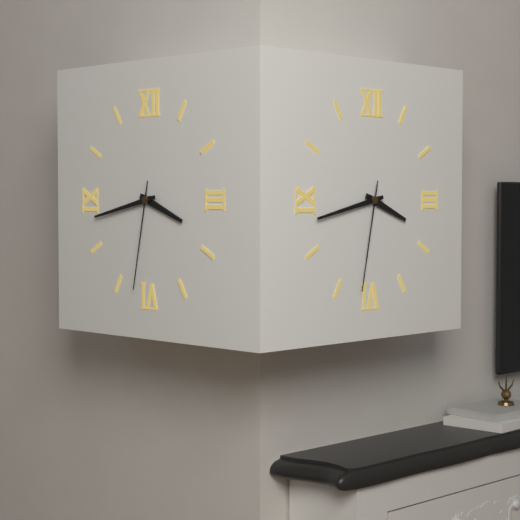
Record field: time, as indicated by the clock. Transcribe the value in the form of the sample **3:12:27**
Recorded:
**3:43:32**
